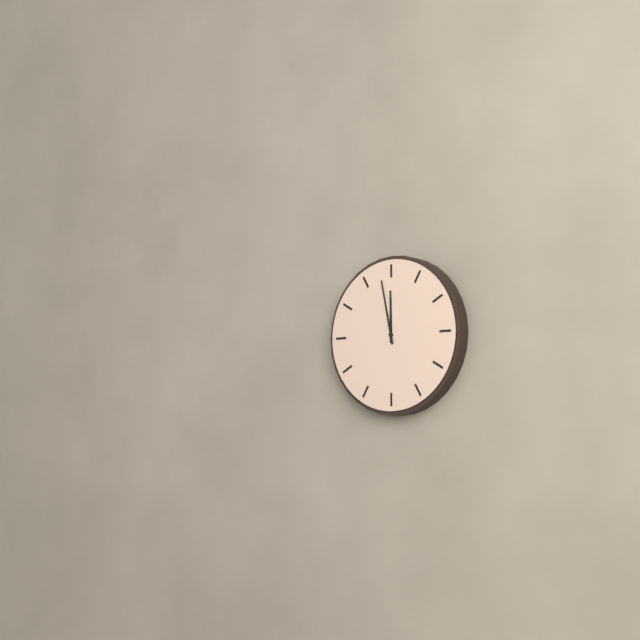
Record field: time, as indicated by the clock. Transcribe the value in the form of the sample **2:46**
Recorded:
**11:58**
